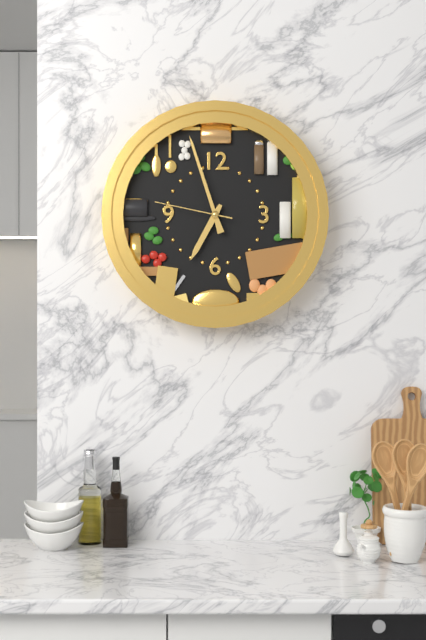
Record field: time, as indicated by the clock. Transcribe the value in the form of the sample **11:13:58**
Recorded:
**6:57:47**
